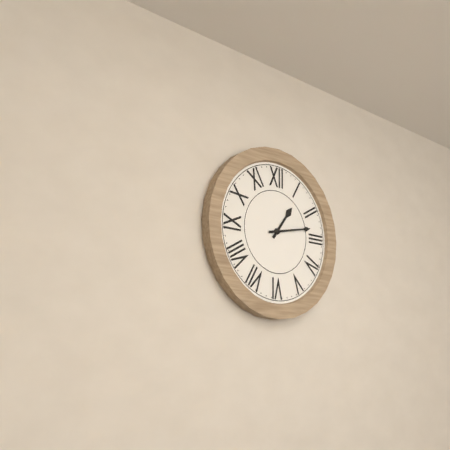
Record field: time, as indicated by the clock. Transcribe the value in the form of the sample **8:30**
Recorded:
**1:13**
